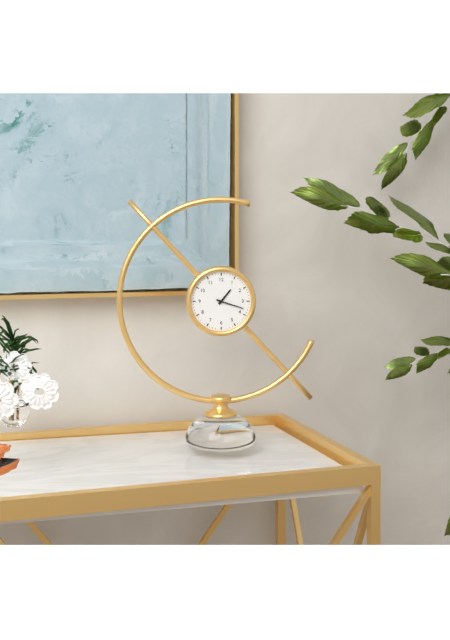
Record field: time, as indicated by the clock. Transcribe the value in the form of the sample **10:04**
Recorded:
**1:18**
